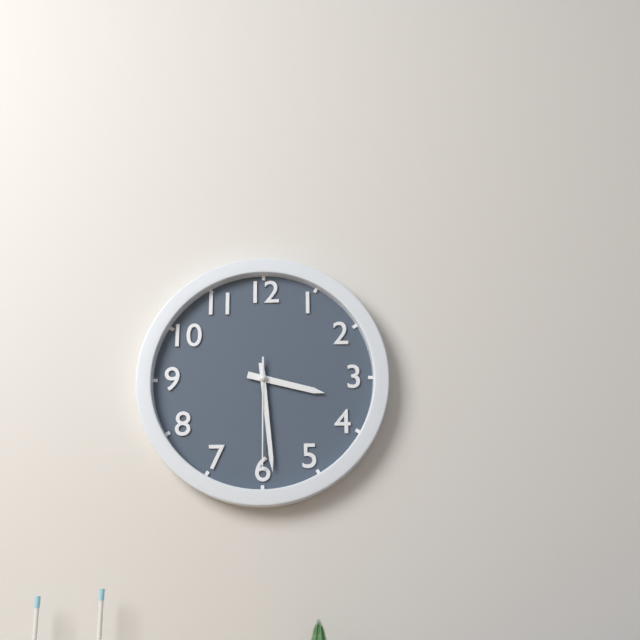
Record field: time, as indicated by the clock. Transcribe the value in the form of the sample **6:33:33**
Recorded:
**3:29:30**
